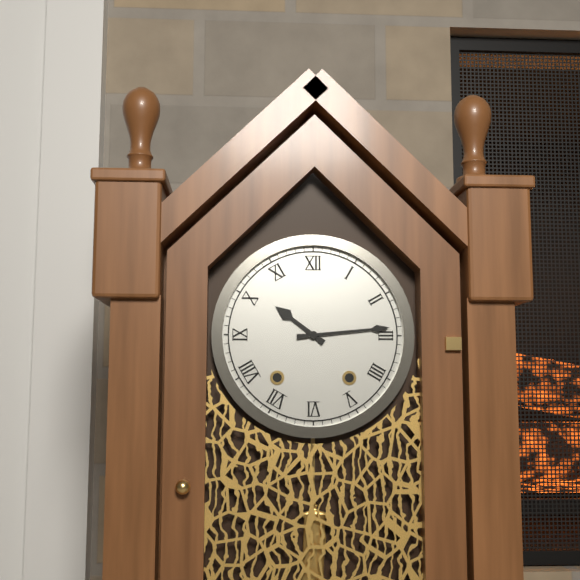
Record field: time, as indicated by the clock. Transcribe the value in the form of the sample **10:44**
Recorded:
**10:14**
